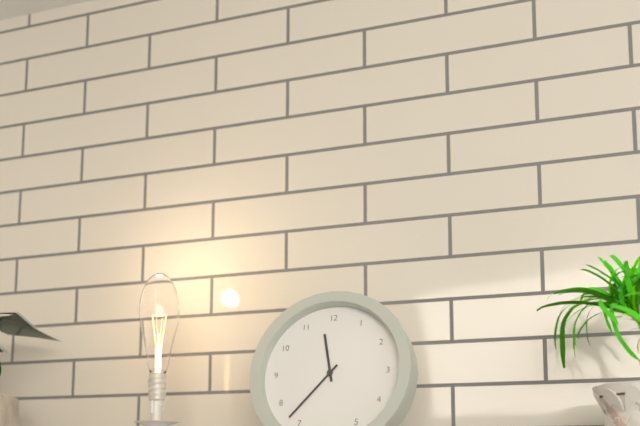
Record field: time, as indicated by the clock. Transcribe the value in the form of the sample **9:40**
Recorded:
**11:37**
